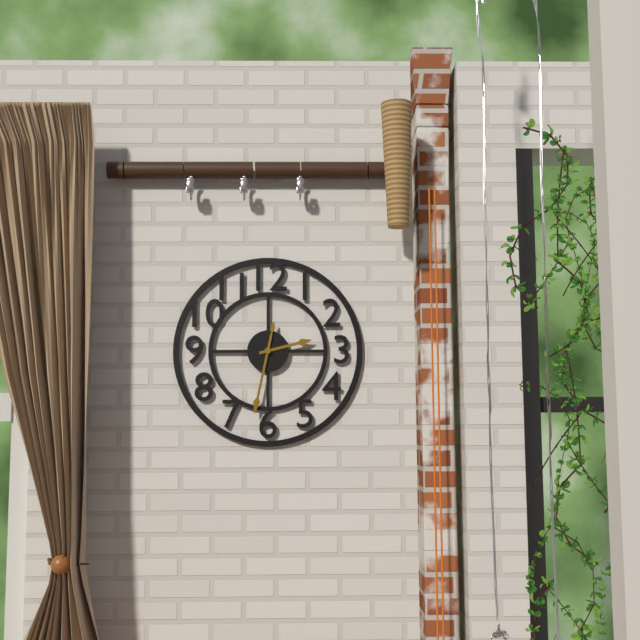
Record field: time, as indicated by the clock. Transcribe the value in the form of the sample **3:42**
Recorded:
**2:32**
